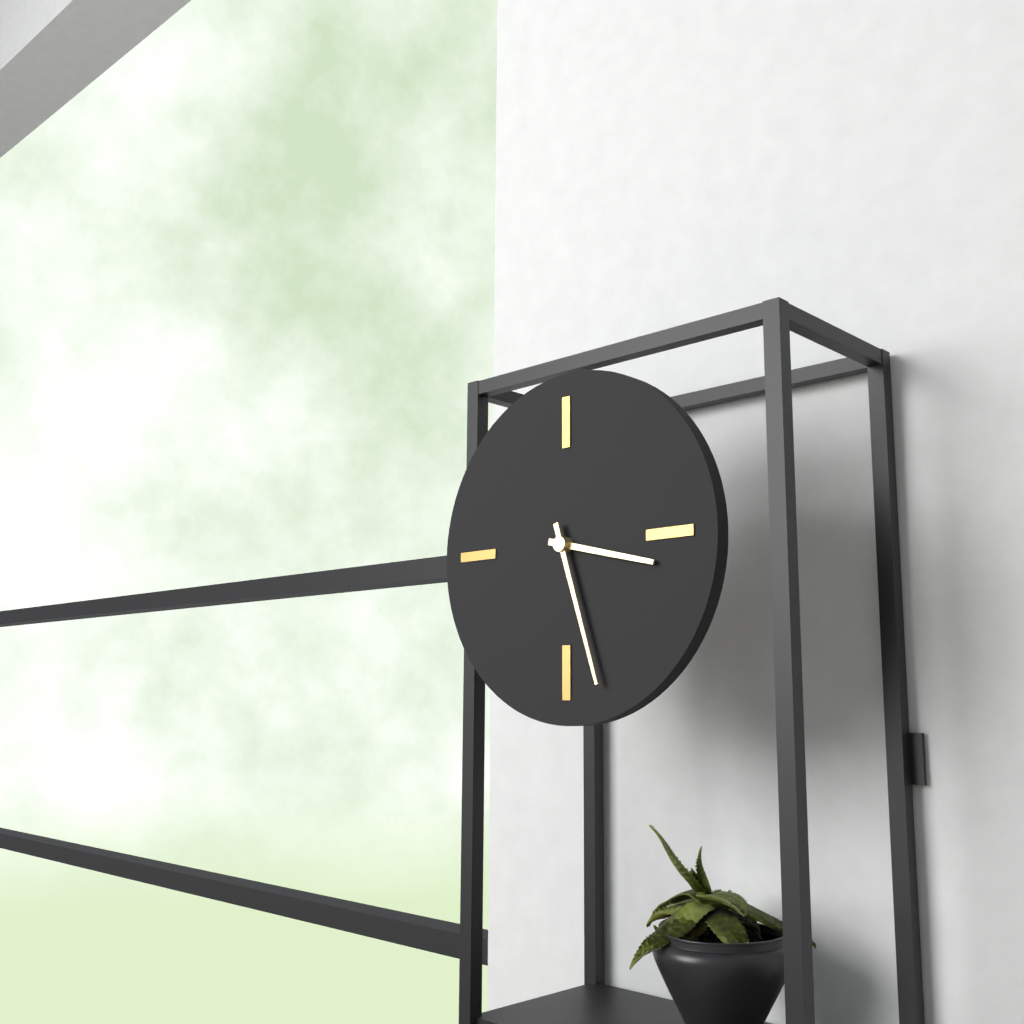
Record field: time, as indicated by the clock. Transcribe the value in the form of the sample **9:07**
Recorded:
**3:27**
